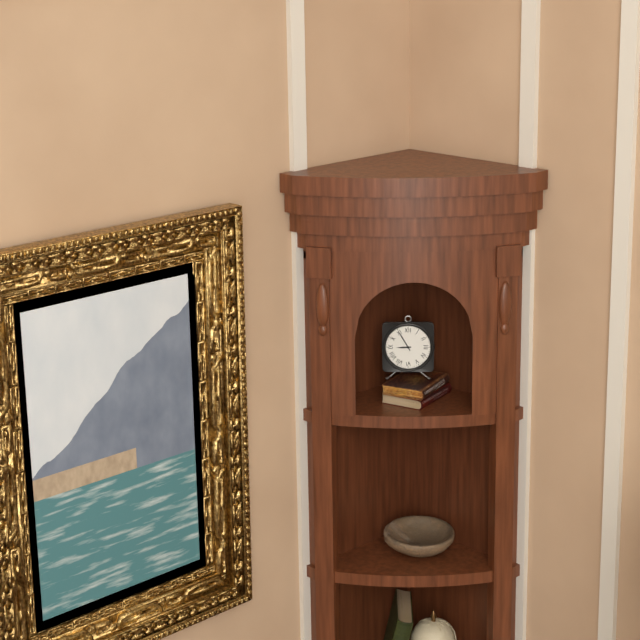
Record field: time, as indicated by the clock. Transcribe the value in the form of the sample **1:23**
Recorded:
**8:55**
